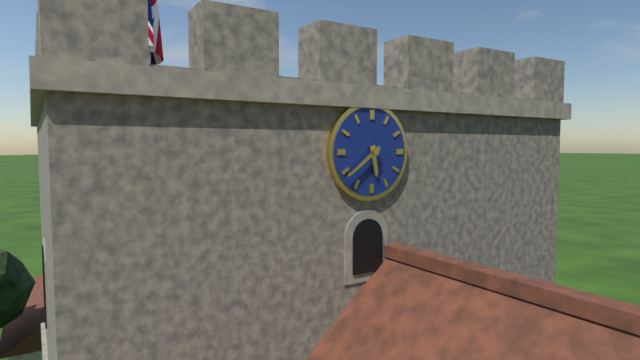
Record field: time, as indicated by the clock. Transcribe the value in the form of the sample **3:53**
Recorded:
**5:39**
